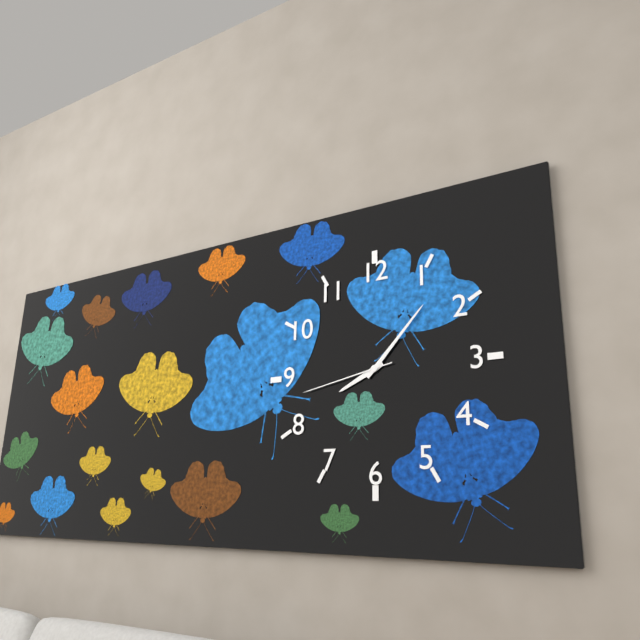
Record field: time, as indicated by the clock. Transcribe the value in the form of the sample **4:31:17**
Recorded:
**8:07:43**
